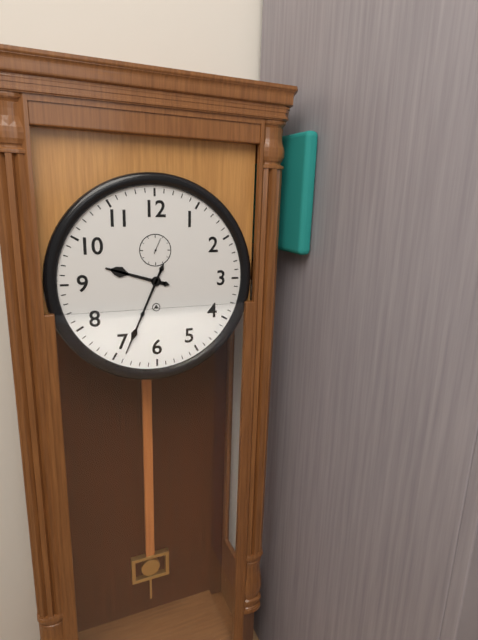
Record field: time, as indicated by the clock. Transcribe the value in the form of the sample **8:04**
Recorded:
**9:34**
